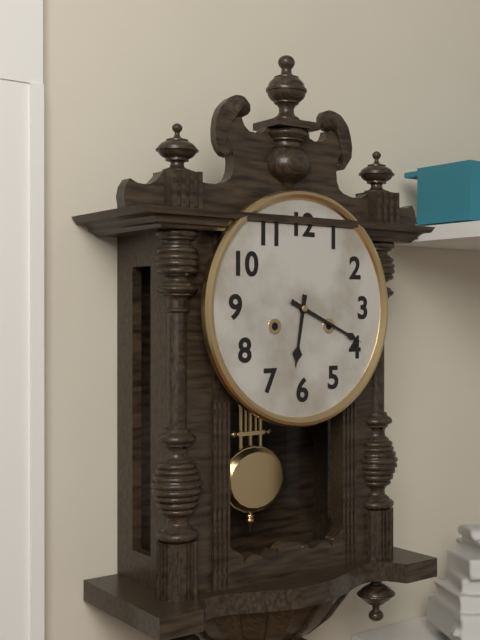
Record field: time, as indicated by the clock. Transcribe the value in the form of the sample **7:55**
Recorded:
**6:19**
